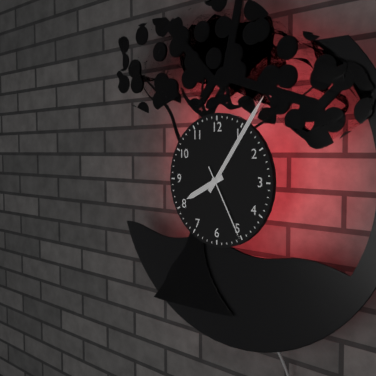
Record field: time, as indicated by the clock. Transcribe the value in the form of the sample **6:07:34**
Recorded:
**8:06:25**
